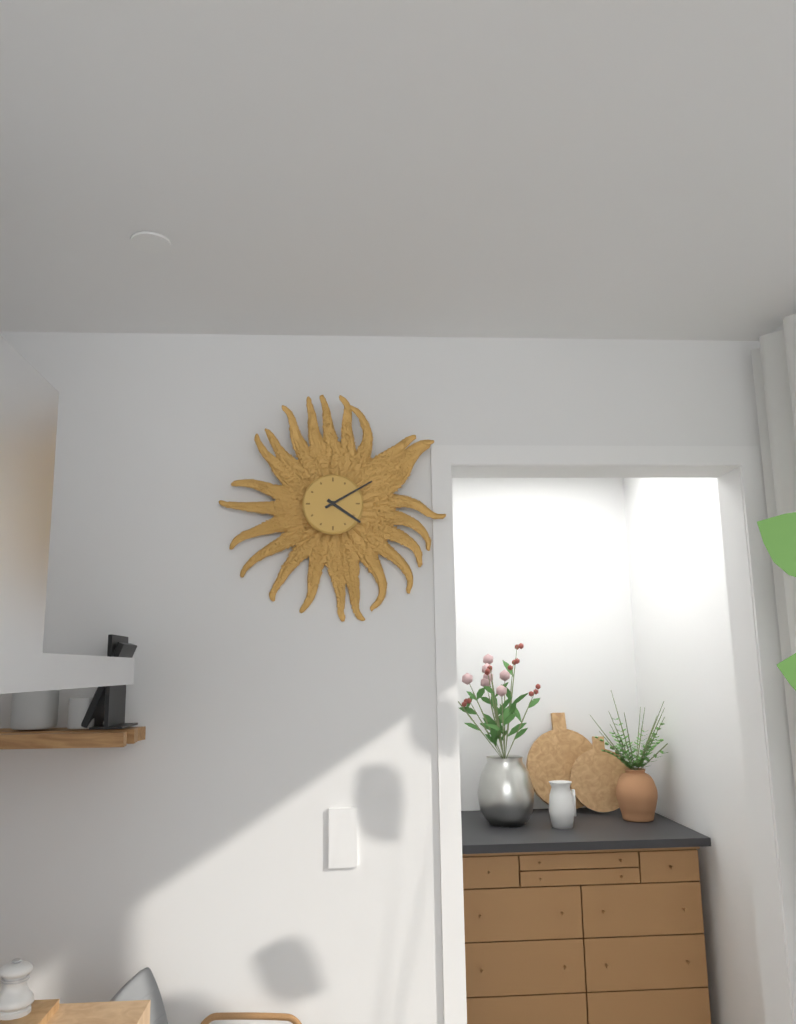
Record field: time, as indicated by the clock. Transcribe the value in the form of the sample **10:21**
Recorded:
**4:10**
